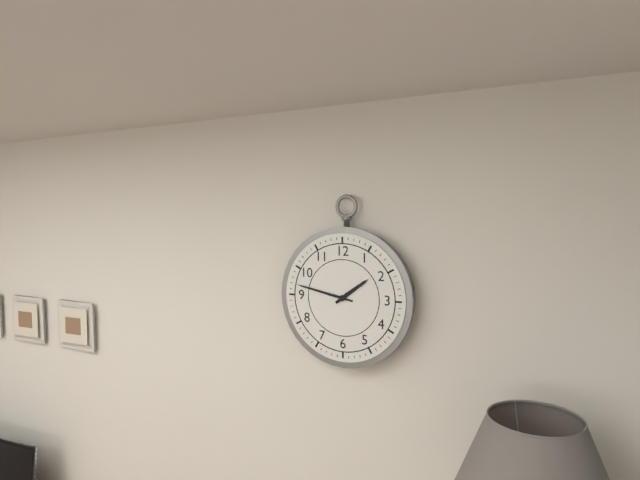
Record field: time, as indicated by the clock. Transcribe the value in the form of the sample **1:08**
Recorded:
**1:47**
